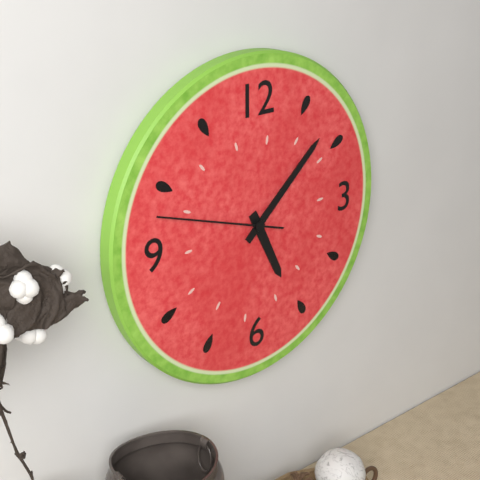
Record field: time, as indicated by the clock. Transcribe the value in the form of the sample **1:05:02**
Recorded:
**5:08:48**
